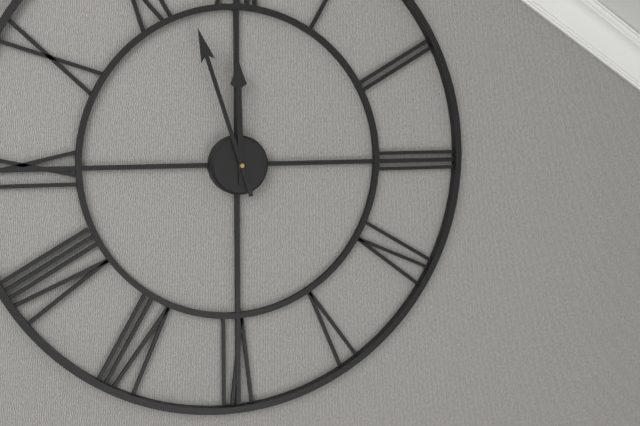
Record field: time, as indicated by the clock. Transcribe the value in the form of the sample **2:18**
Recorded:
**11:57**
